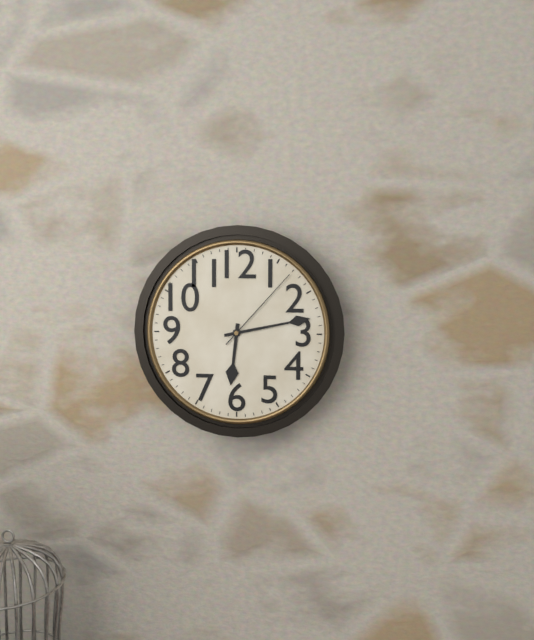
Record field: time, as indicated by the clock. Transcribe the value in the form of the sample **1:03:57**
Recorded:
**6:13:07**
